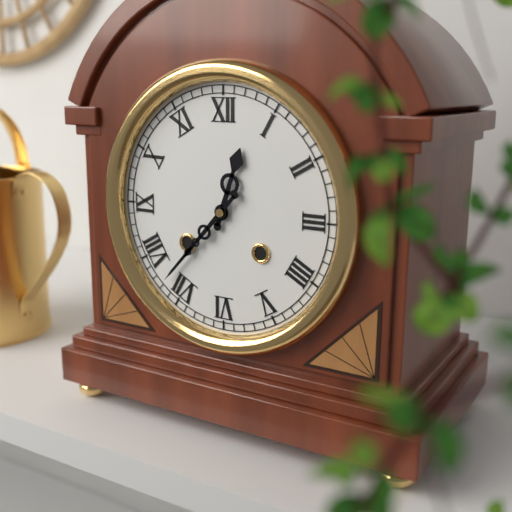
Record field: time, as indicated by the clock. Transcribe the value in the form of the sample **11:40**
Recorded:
**12:37**
